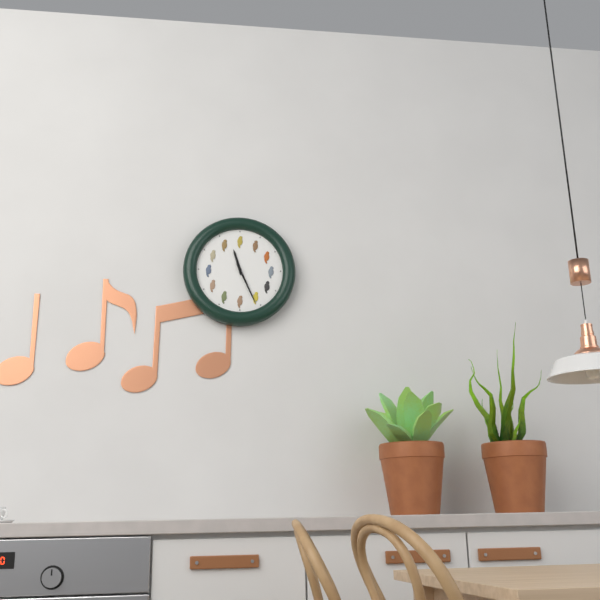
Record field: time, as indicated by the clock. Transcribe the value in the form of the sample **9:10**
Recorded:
**11:26**
